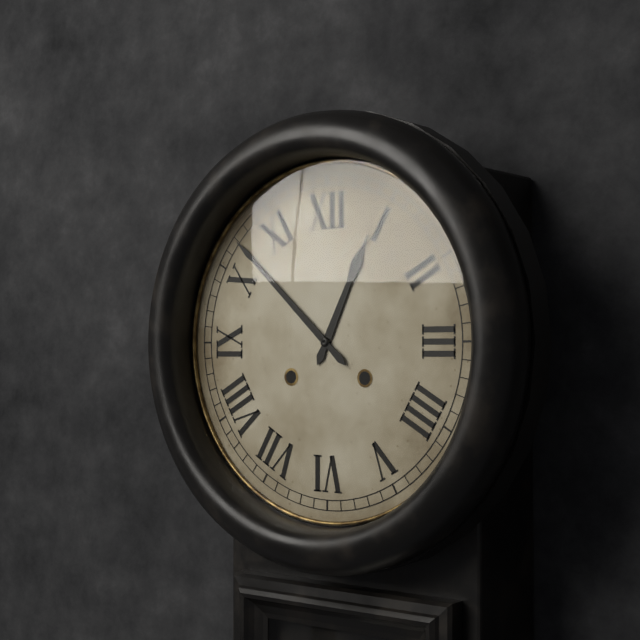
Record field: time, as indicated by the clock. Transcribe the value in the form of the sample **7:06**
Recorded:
**12:52**
